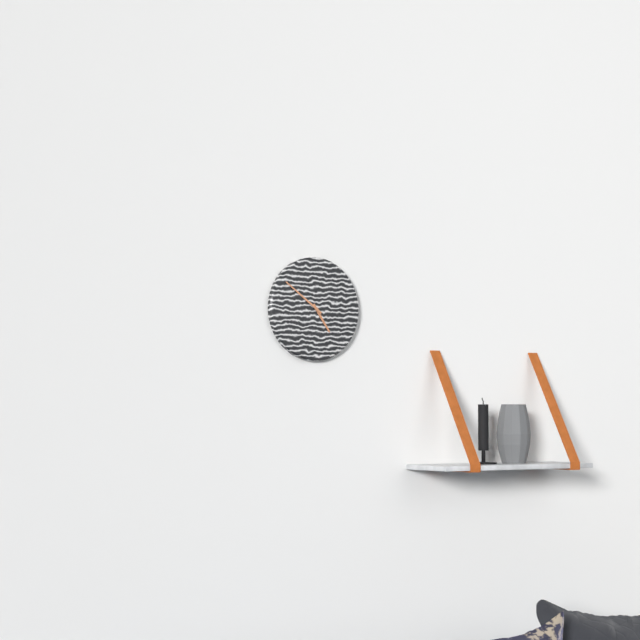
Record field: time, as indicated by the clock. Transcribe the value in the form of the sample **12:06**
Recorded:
**4:51**
